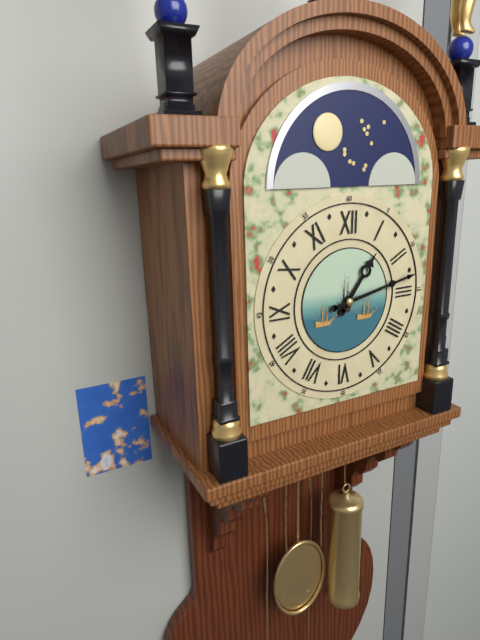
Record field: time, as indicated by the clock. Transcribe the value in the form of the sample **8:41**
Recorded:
**1:13**
